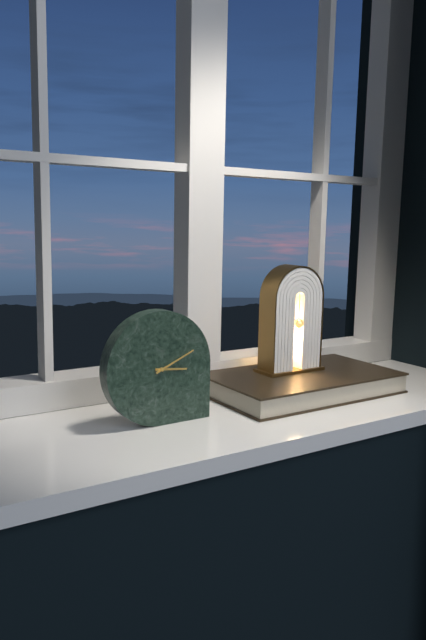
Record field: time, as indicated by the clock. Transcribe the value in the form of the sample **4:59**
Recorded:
**3:11**
